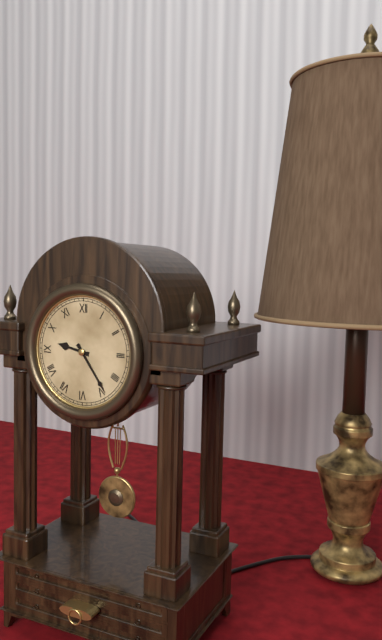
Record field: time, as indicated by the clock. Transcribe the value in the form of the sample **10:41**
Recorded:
**9:24**
